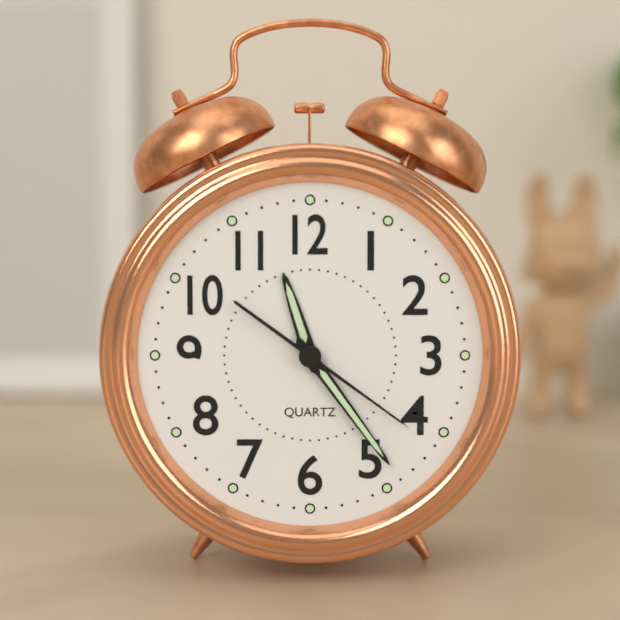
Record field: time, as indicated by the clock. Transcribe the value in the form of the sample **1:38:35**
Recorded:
**11:24:21**
